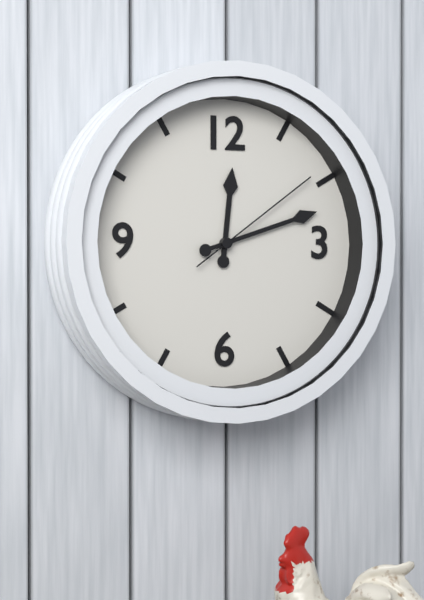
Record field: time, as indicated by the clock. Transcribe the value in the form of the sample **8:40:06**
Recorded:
**12:12:09**
